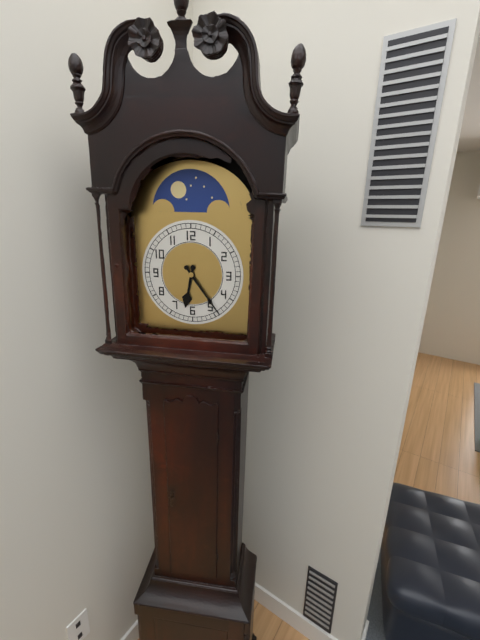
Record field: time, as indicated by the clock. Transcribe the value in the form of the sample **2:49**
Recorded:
**6:24**
